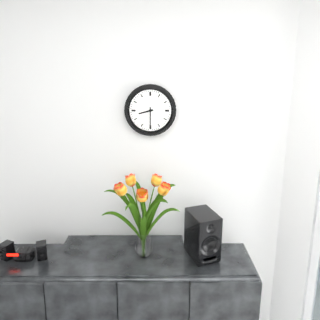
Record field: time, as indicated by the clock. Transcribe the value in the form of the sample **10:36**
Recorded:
**8:30**
